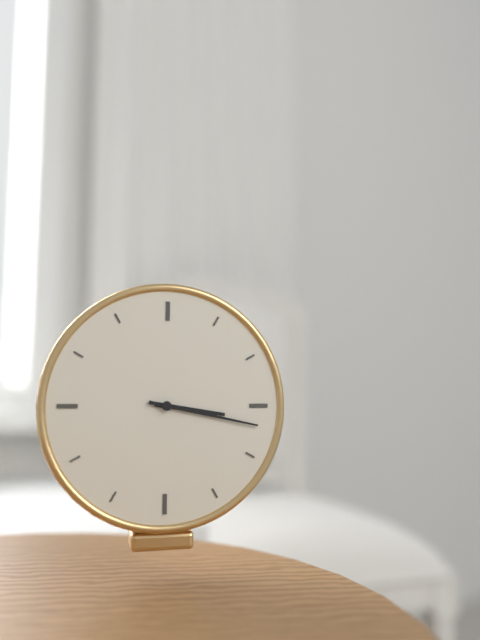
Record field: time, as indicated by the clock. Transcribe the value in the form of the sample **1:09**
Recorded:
**3:17**
